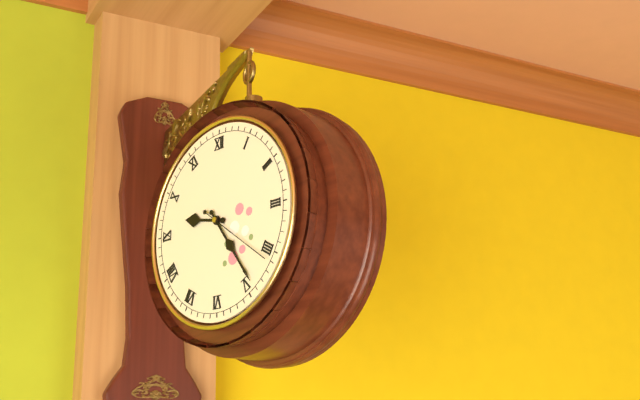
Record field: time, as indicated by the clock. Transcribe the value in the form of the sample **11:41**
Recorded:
**9:24**
